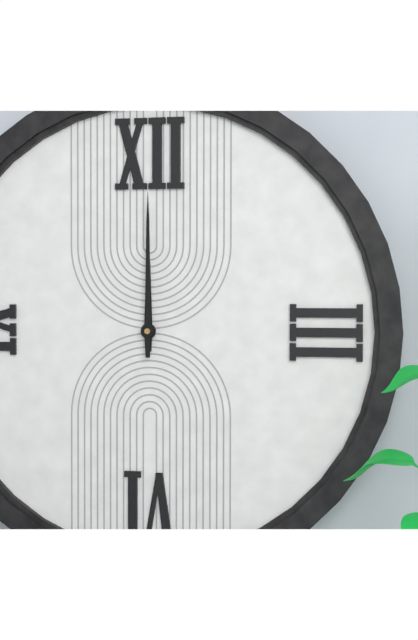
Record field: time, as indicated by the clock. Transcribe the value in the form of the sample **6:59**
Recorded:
**12:00**
